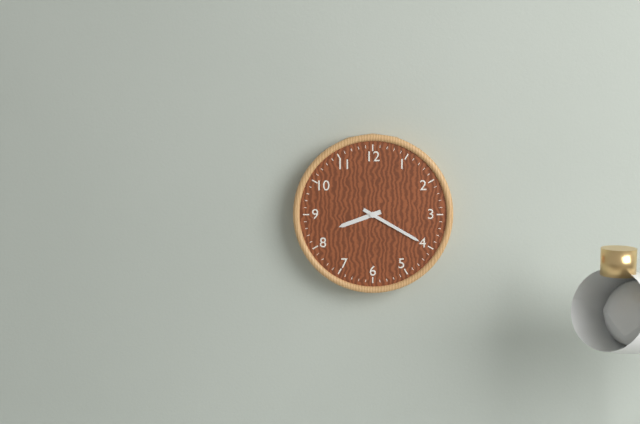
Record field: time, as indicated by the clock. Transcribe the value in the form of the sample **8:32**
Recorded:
**8:20**
